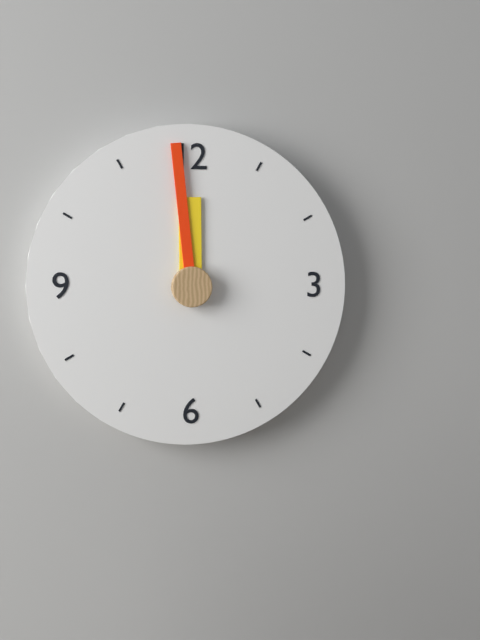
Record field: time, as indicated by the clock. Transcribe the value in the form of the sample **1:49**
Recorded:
**11:59**
